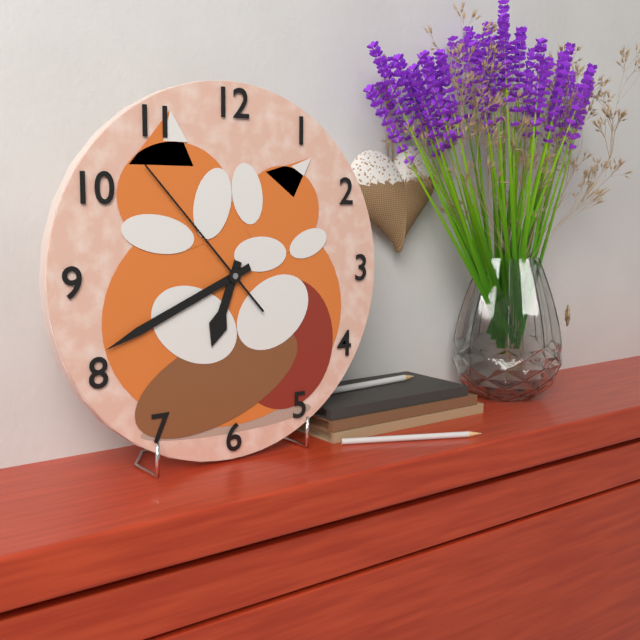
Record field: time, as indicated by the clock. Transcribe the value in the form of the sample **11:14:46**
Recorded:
**6:41:53**
